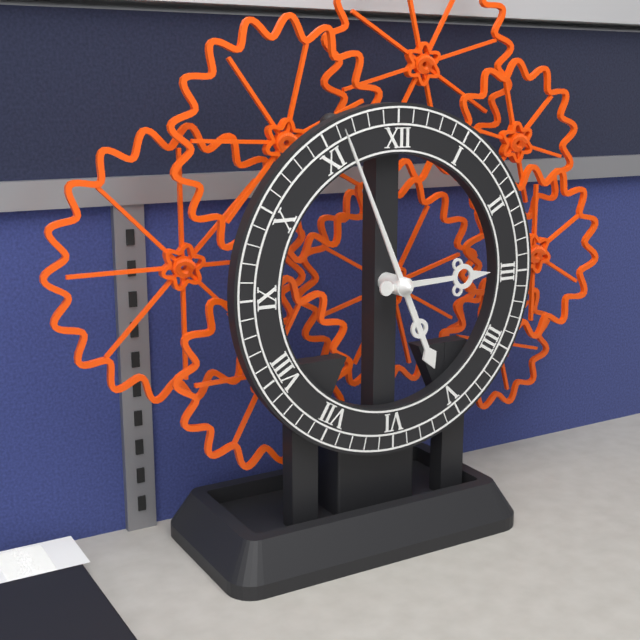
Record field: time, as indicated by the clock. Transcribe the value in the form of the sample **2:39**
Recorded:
**2:56**
